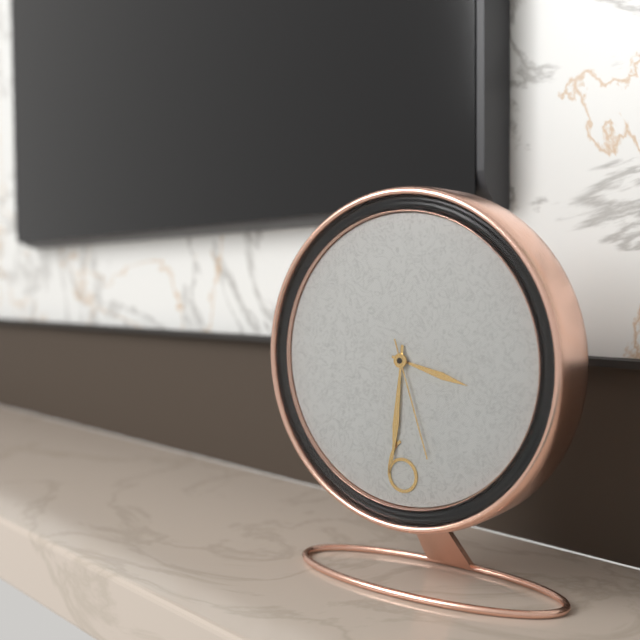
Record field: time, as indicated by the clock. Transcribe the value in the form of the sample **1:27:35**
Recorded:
**3:31:27**
